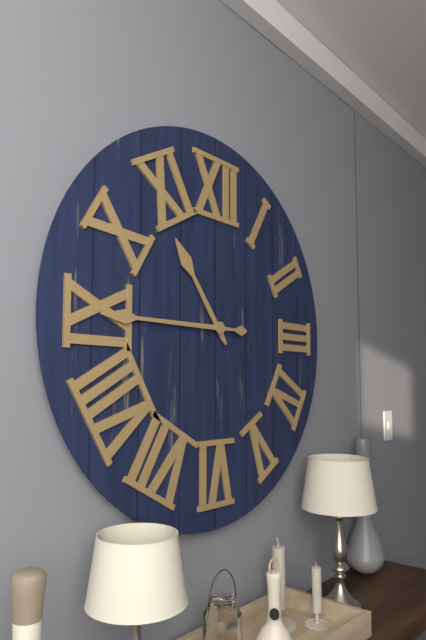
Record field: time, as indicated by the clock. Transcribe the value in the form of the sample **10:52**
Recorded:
**10:45**
